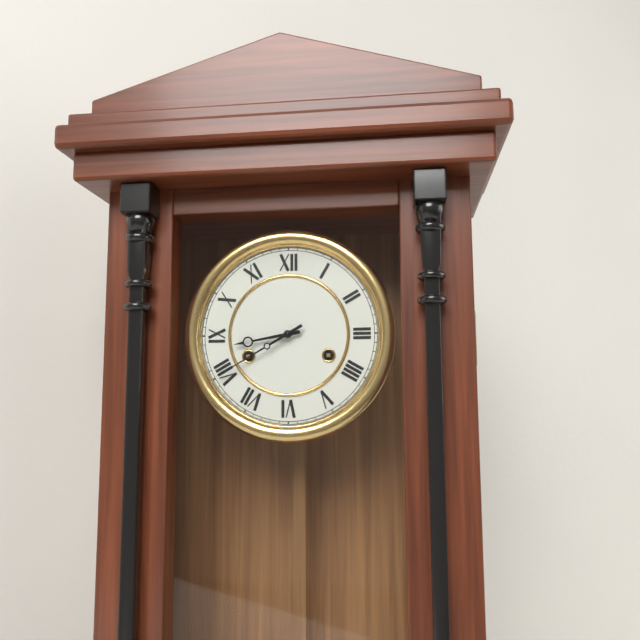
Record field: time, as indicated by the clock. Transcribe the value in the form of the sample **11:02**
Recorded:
**8:40**
